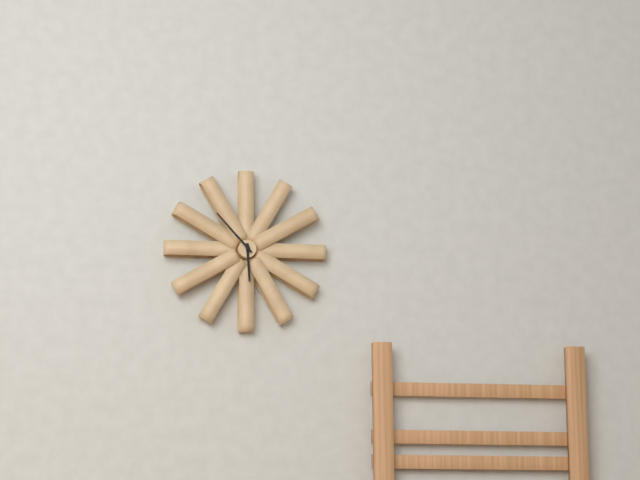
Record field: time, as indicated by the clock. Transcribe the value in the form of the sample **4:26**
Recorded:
**5:53**
